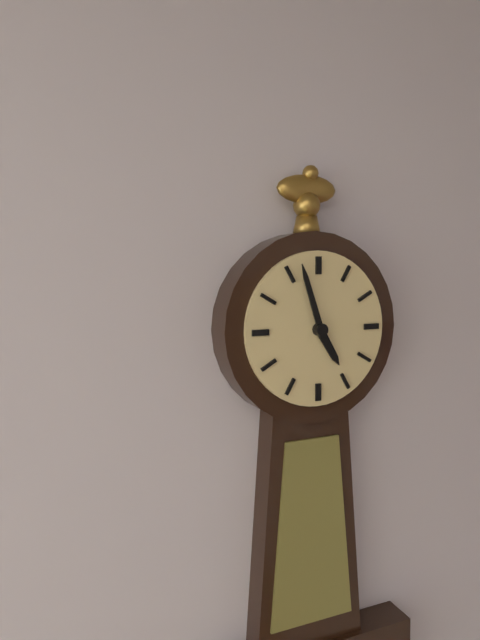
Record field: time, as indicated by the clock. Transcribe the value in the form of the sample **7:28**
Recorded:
**4:57**
